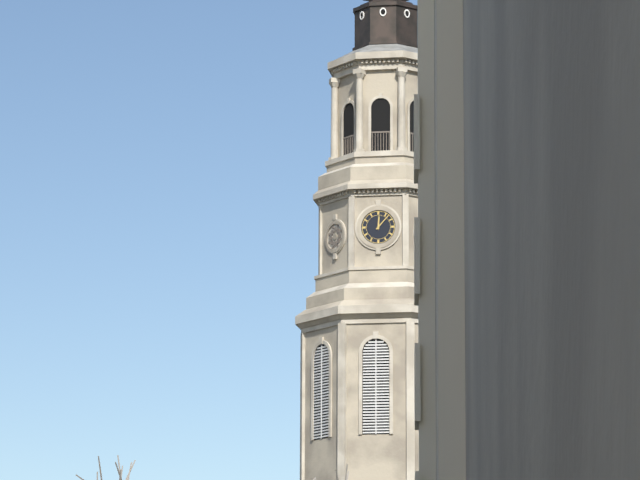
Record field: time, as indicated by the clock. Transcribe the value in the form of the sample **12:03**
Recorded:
**12:07**
